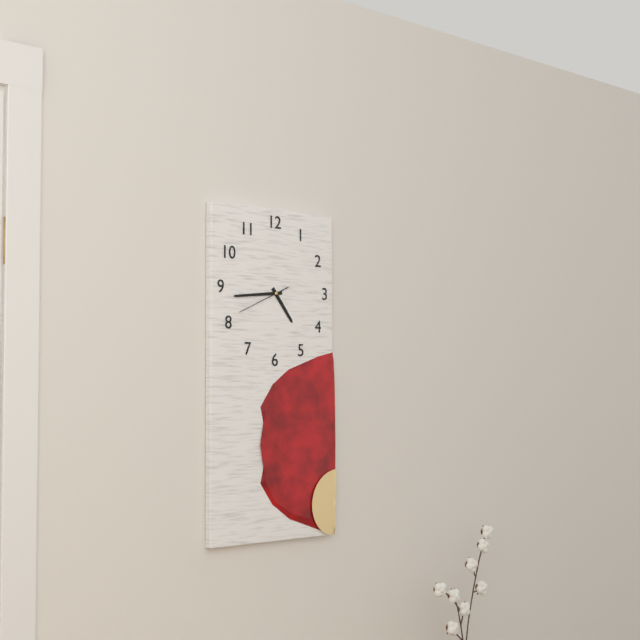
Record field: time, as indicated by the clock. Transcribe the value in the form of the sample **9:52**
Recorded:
**4:44**
